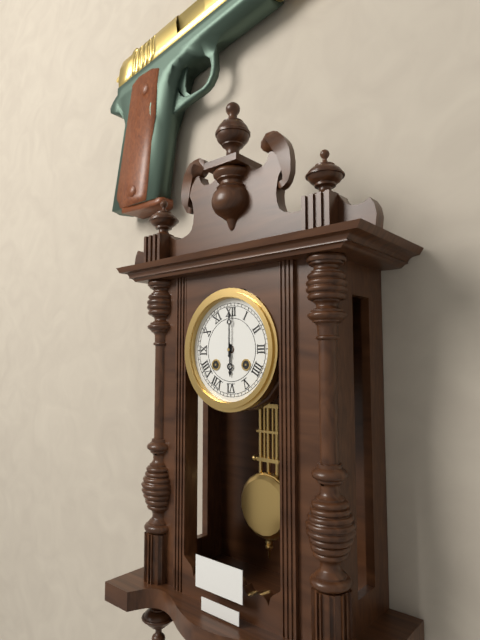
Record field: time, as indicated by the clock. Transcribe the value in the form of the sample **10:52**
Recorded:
**6:00**
